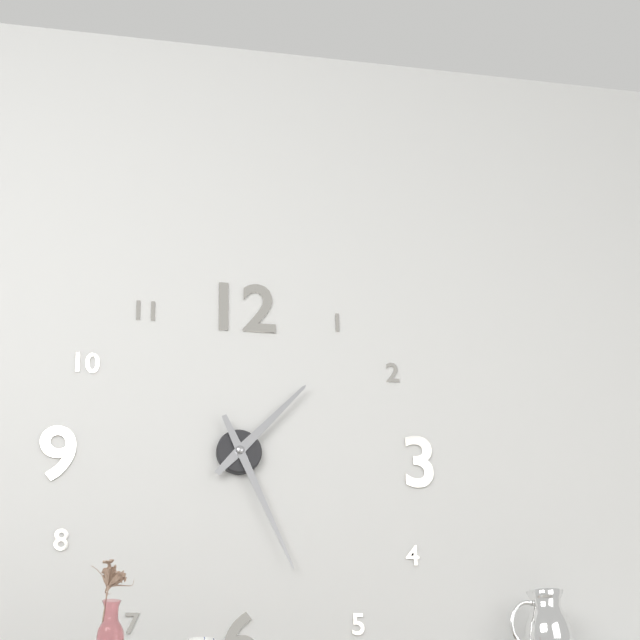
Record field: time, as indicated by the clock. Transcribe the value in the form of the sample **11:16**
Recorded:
**1:26**
